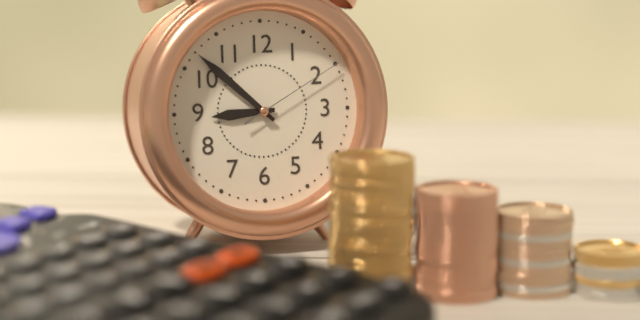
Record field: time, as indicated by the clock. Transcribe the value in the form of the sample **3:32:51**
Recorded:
**8:52:10**
